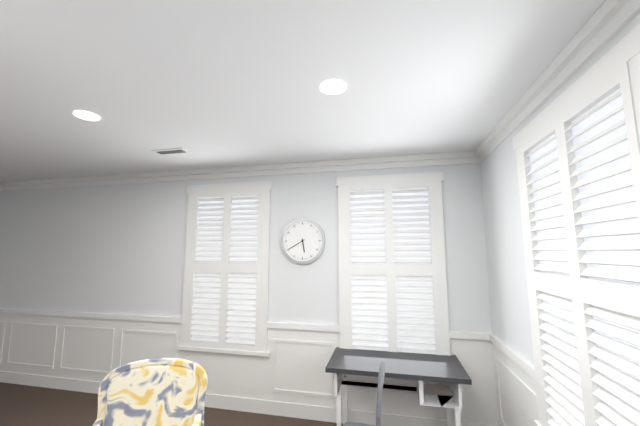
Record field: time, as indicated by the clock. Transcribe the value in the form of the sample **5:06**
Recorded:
**5:40**
